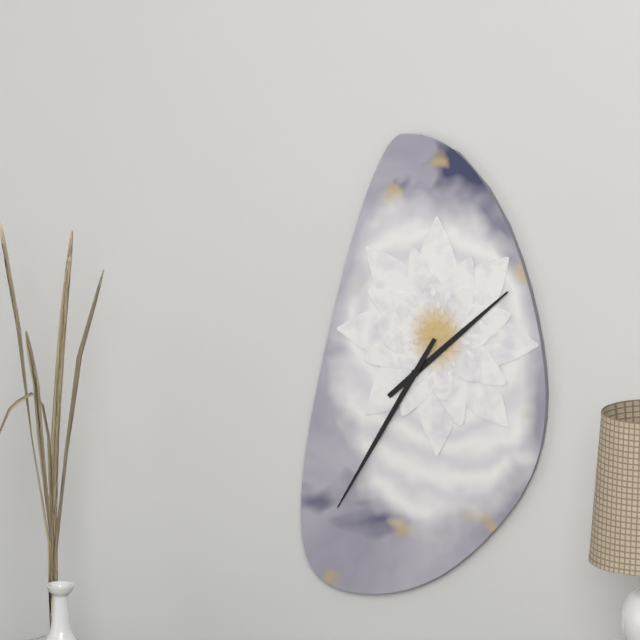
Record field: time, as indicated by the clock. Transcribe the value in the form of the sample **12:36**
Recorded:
**1:35**
